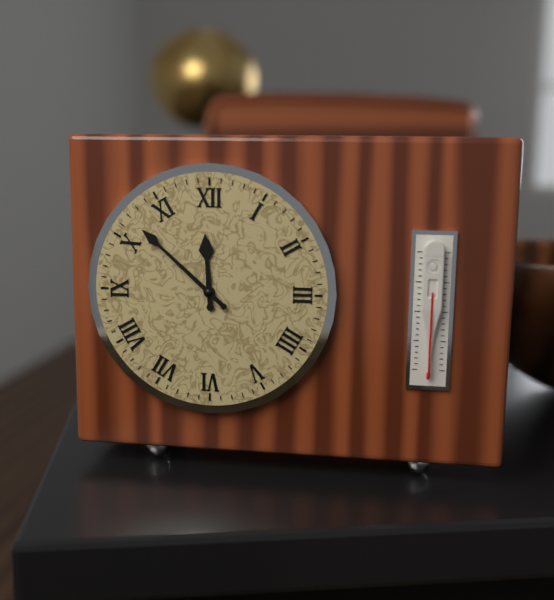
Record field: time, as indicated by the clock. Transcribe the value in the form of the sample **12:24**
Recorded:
**11:52**
